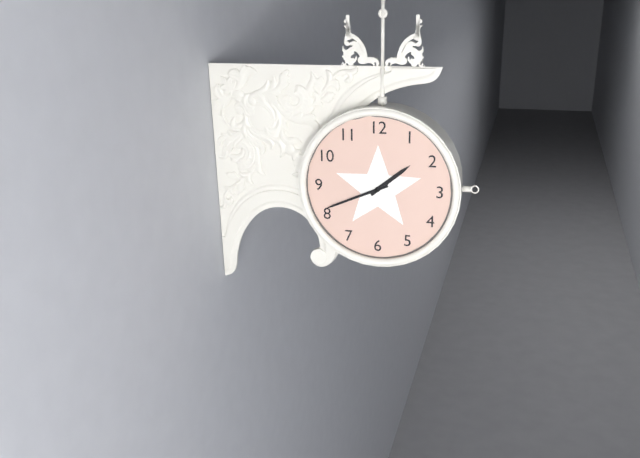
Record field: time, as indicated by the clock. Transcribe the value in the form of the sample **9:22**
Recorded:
**1:41**
